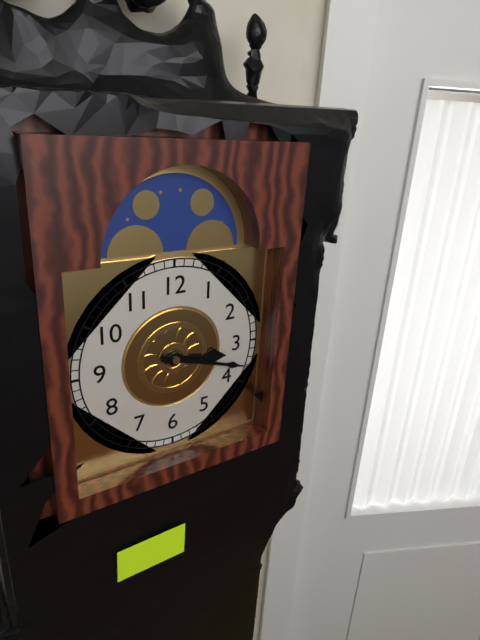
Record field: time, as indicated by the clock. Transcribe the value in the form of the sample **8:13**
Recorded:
**3:18**
